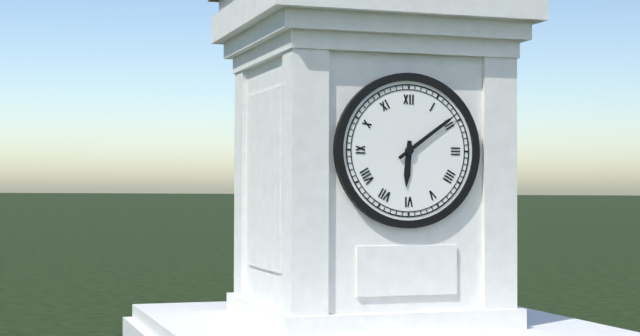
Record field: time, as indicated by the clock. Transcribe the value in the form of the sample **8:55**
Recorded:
**6:09**
